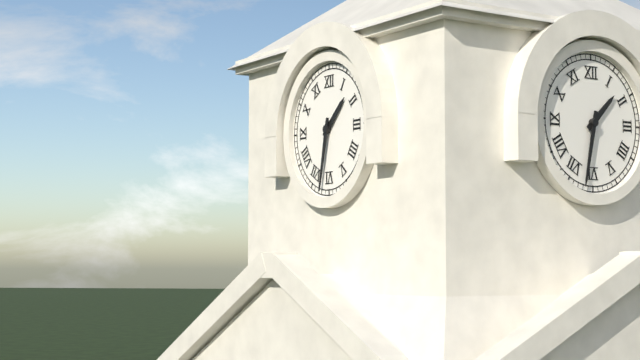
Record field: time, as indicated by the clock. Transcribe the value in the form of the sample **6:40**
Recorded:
**1:32**
